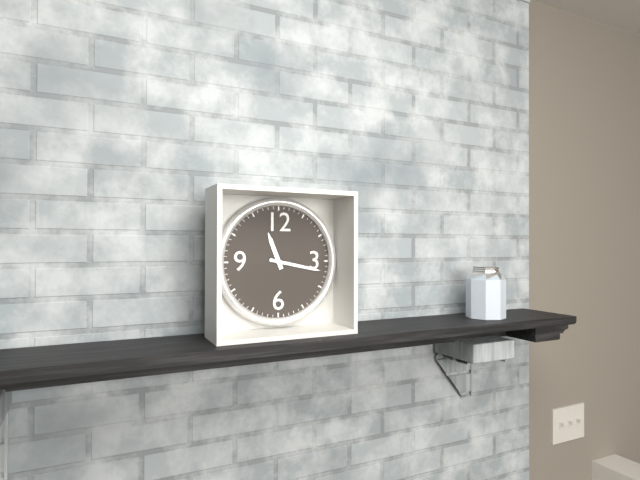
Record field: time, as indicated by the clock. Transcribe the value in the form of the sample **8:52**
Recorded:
**11:17**
